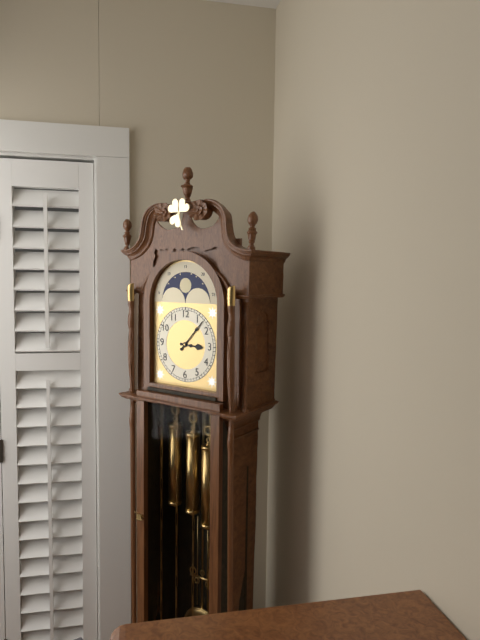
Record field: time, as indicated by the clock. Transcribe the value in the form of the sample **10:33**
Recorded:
**3:07**
